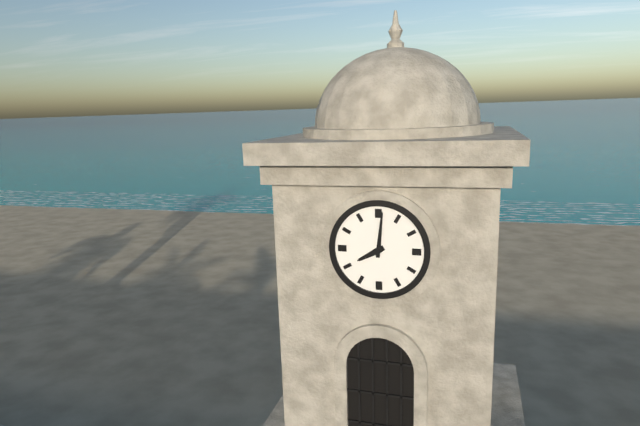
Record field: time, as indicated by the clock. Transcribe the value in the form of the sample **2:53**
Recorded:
**8:01**
